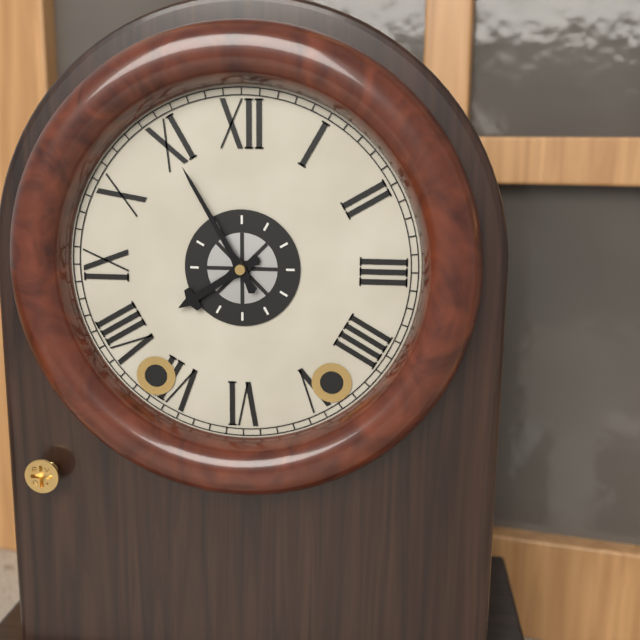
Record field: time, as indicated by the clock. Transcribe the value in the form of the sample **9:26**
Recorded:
**7:55**
